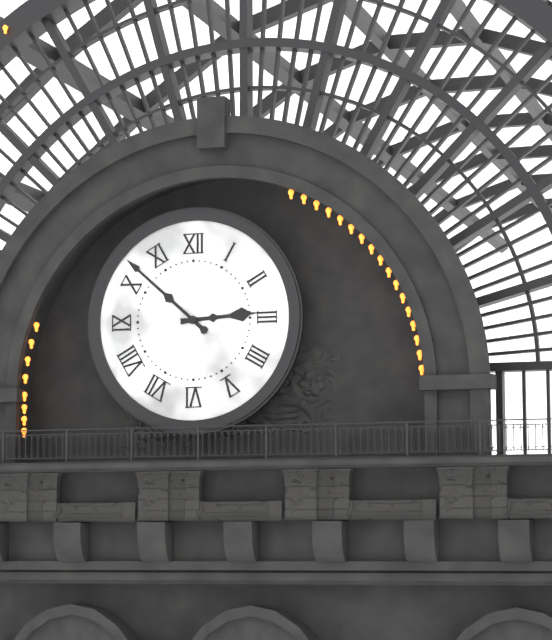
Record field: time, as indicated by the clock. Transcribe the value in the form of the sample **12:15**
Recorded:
**2:52**
